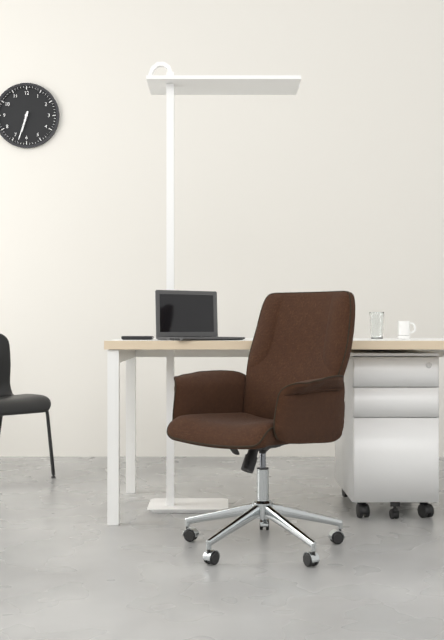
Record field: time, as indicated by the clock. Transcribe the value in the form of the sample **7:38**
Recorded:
**6:33**
